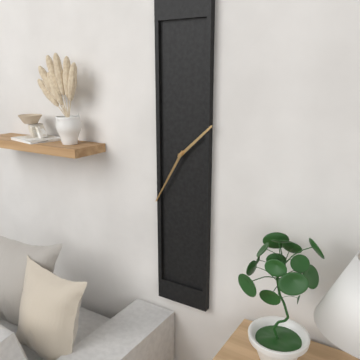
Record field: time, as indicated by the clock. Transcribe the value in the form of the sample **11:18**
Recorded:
**1:35**
